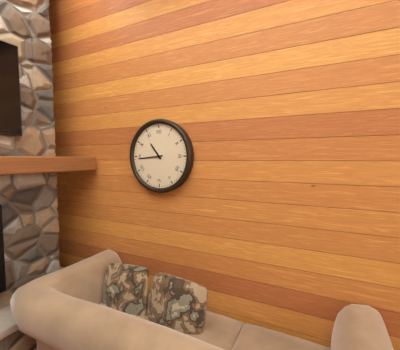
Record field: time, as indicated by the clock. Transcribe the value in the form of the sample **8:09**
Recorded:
**10:44**
